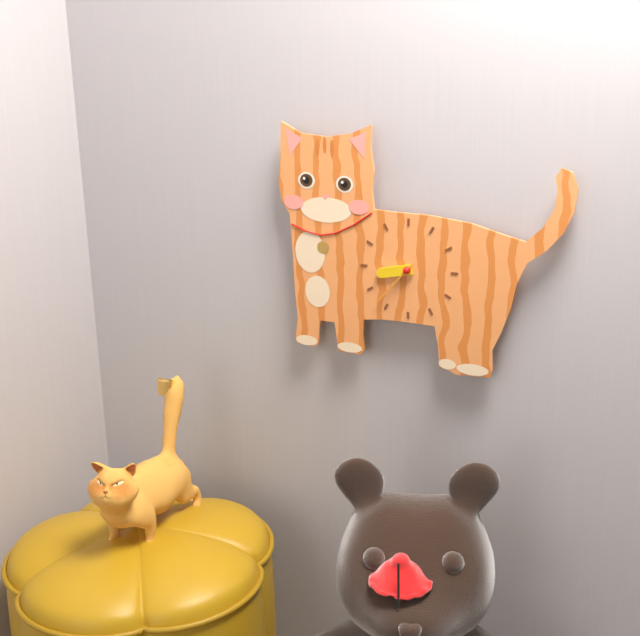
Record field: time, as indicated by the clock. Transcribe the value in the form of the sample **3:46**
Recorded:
**8:37**
